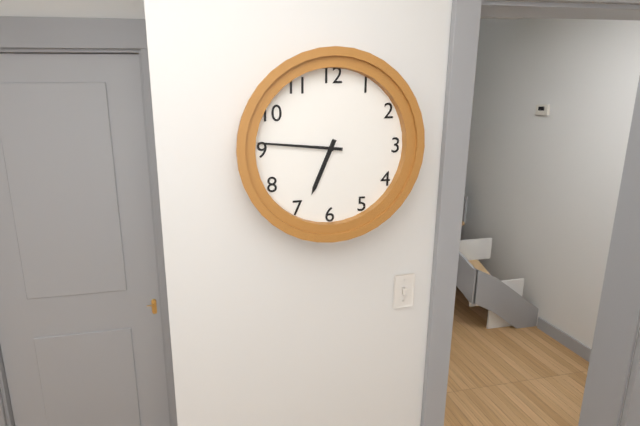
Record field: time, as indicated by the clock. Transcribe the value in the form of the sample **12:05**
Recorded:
**6:46**
